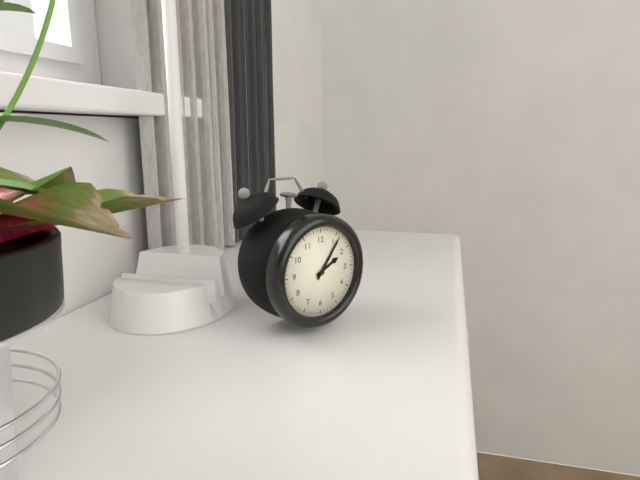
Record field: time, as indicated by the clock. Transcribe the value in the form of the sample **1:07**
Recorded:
**2:06**
